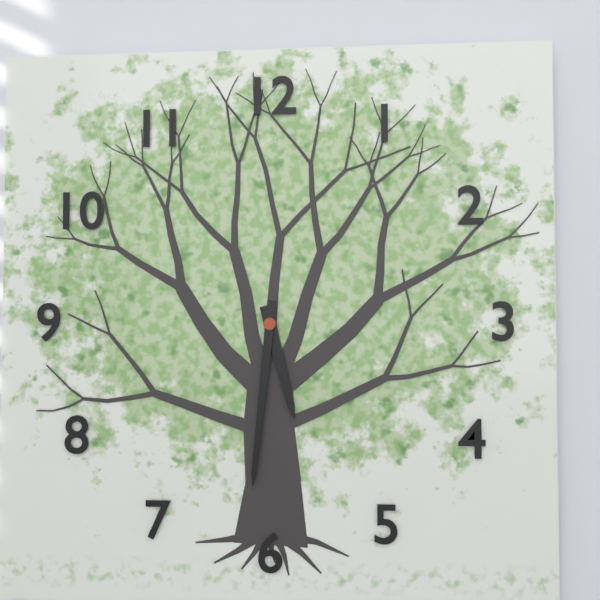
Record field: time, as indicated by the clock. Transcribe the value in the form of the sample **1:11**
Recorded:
**5:31**
